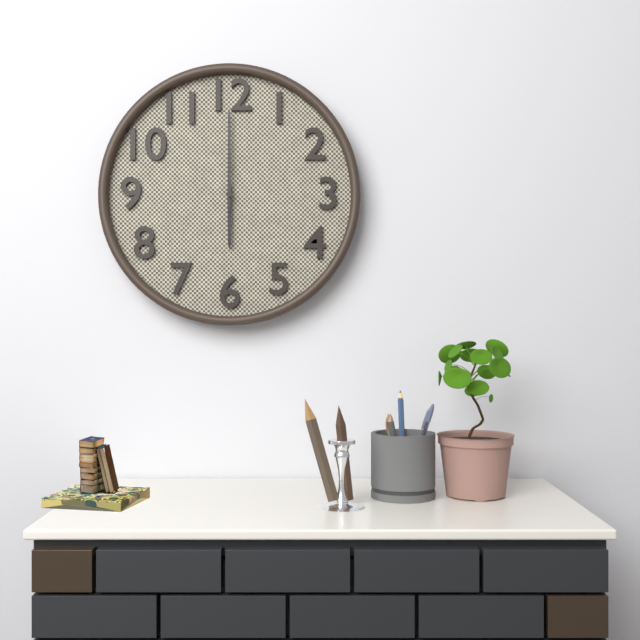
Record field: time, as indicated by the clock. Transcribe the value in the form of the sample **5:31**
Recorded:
**6:00**
